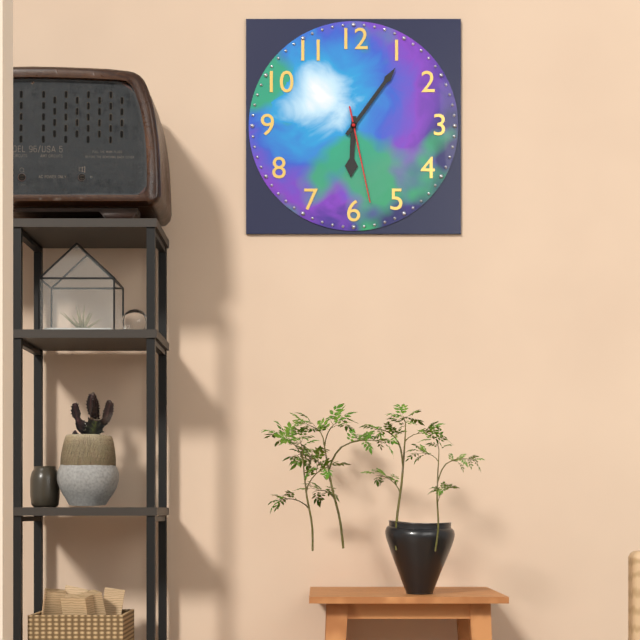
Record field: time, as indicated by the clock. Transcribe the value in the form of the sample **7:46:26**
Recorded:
**6:06:28**
